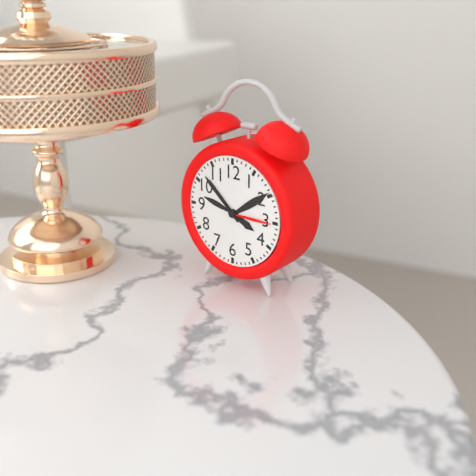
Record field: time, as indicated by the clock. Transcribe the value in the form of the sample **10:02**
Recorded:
**3:52**
